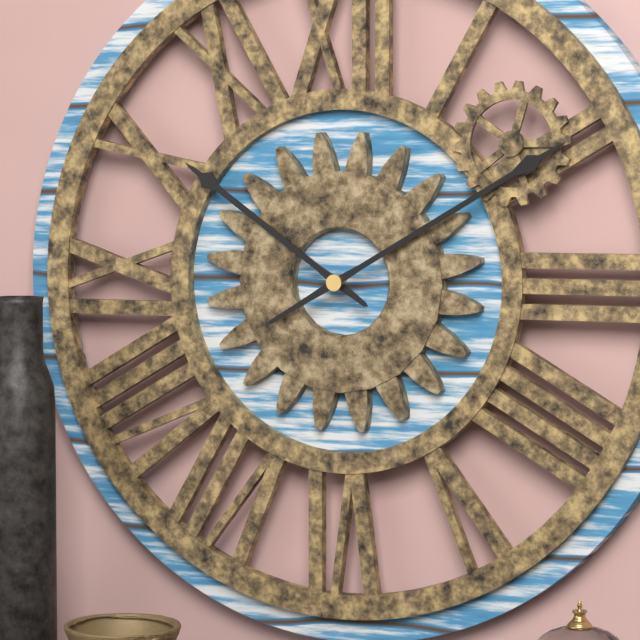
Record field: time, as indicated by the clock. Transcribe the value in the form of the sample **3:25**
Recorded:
**10:10**
